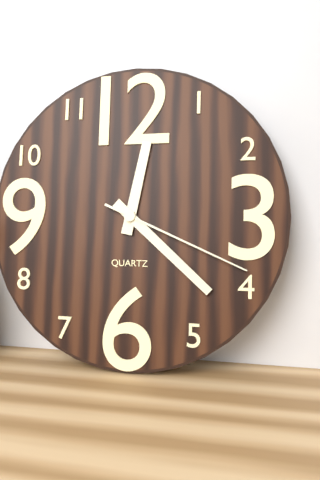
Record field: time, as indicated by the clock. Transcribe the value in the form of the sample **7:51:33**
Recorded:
**12:22:19**
